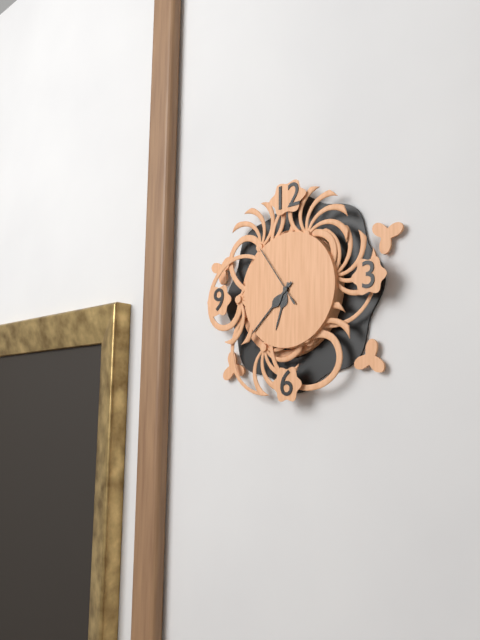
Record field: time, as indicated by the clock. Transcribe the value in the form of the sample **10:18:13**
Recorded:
**6:38:54**
